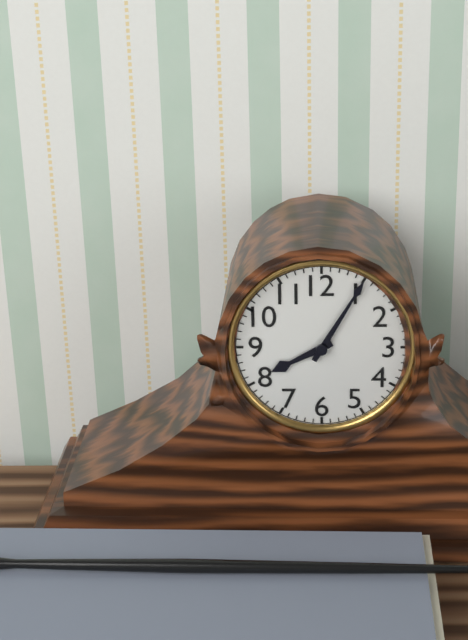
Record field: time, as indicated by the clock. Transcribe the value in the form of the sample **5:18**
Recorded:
**8:05**
